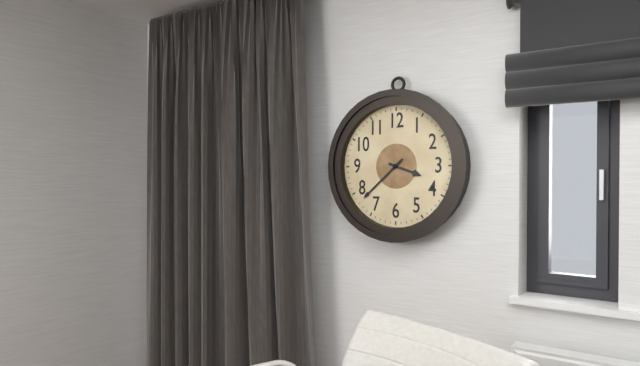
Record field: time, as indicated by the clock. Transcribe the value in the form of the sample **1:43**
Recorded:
**3:38**
